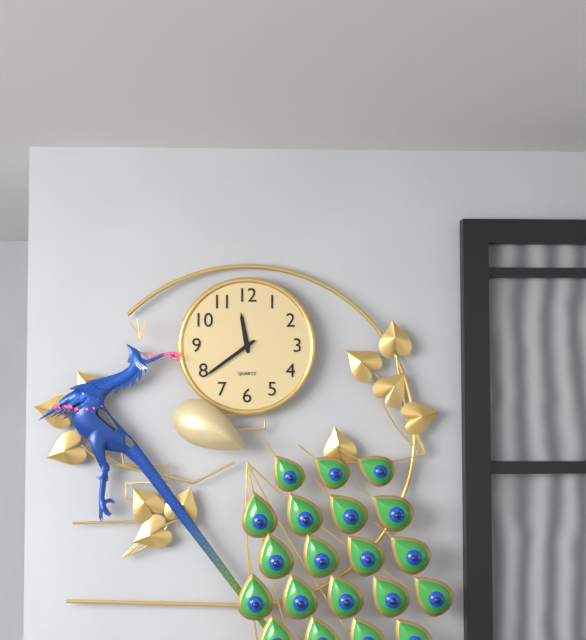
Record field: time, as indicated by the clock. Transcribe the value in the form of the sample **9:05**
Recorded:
**11:39**
